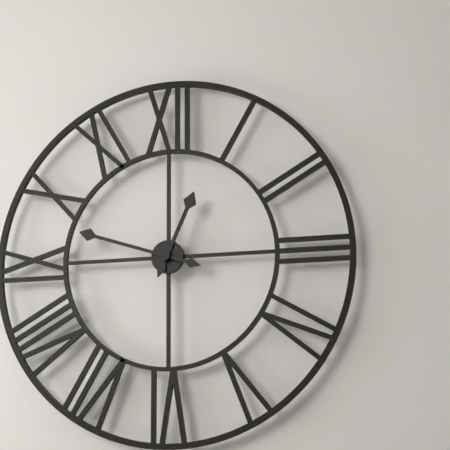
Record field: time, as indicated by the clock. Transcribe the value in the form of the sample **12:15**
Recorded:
**12:48**
